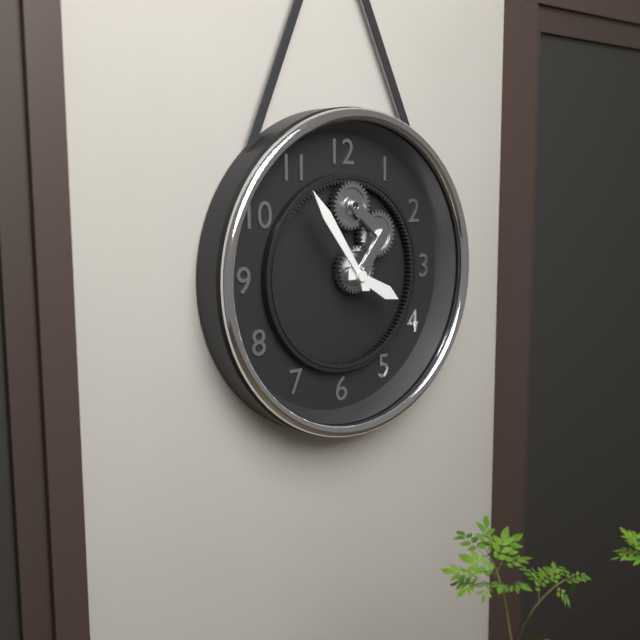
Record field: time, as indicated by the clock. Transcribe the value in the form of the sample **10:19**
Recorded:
**3:54**
